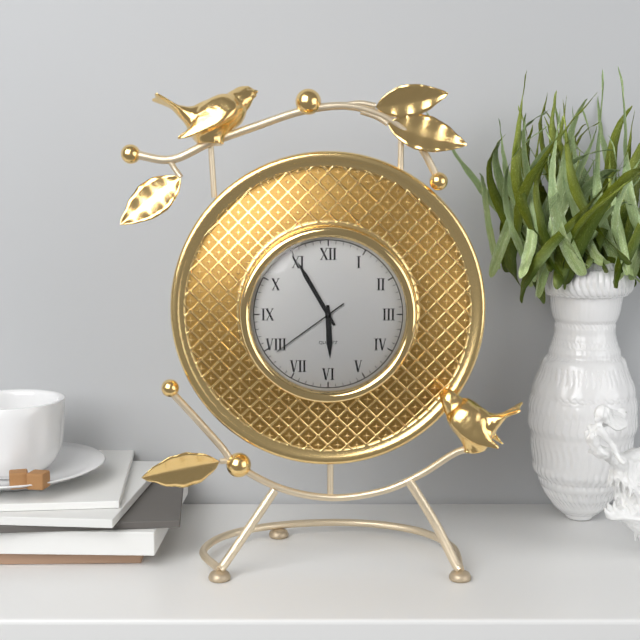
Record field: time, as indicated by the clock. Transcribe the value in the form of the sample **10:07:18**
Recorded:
**5:55:39**
